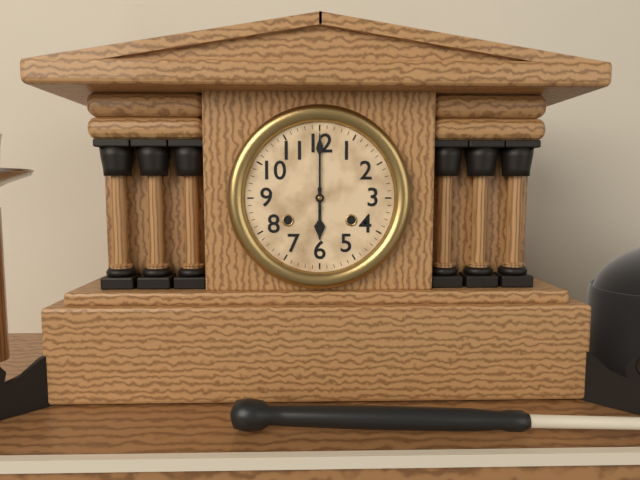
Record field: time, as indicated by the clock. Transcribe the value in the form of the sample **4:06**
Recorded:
**6:00**
